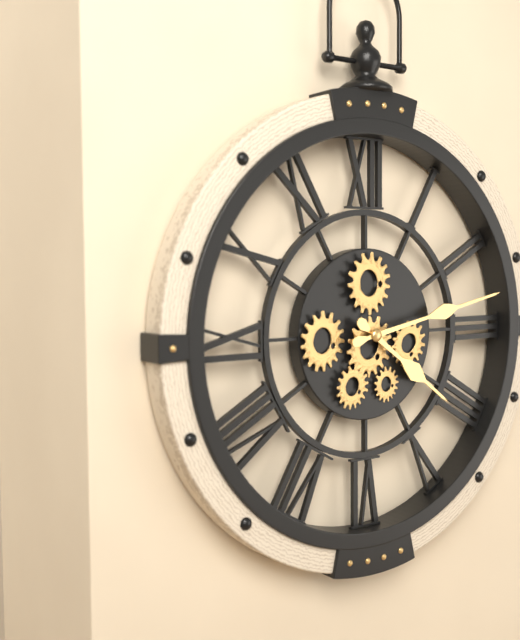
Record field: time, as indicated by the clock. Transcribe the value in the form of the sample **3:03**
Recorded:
**4:13**
